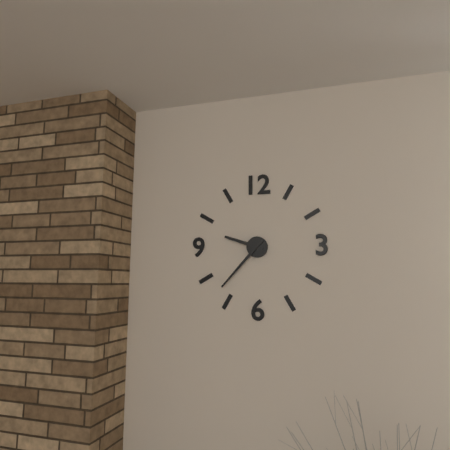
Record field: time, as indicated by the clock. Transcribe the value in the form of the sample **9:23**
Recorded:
**9:37**
